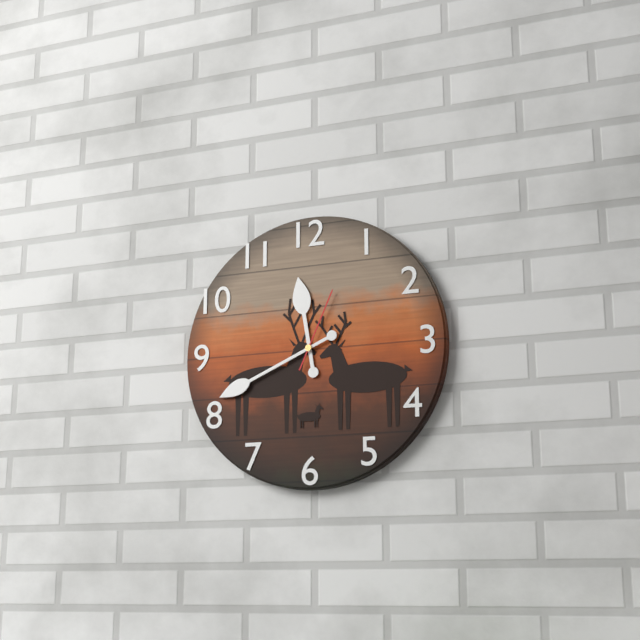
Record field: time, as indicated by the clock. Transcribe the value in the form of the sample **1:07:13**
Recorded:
**11:41:04**
